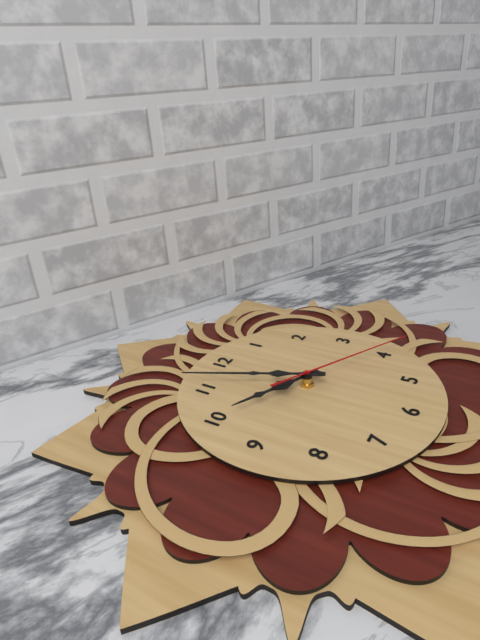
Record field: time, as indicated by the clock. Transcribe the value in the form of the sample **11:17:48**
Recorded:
**9:56:20**
